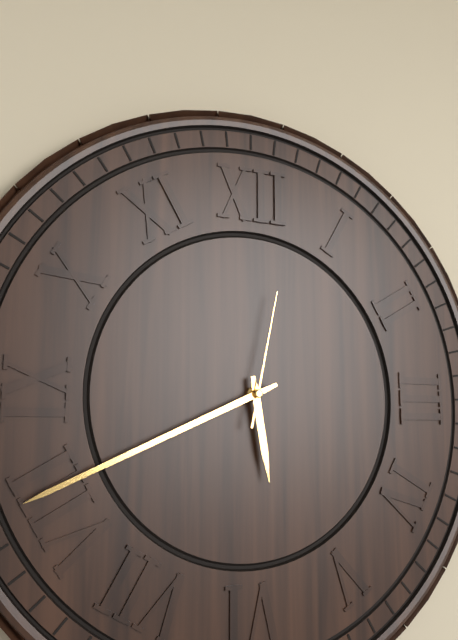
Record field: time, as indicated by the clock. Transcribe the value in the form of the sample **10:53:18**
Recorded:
**5:41:02**
